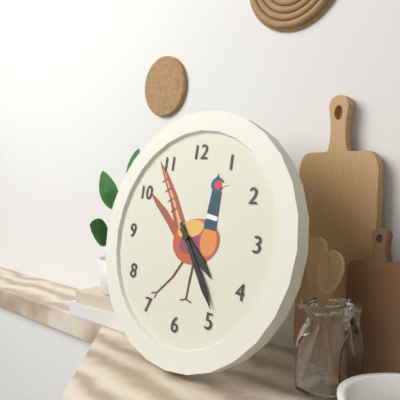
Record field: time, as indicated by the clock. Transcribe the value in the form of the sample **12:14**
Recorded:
**4:24**
